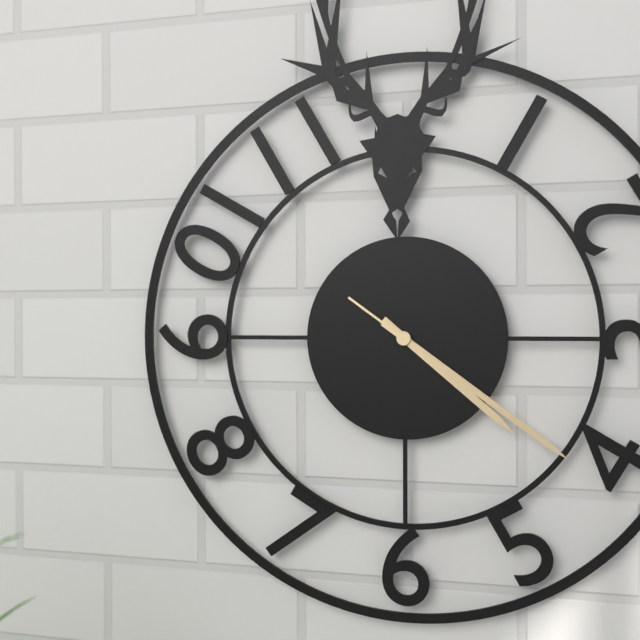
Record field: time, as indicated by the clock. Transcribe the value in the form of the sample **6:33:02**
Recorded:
**4:21:21**
